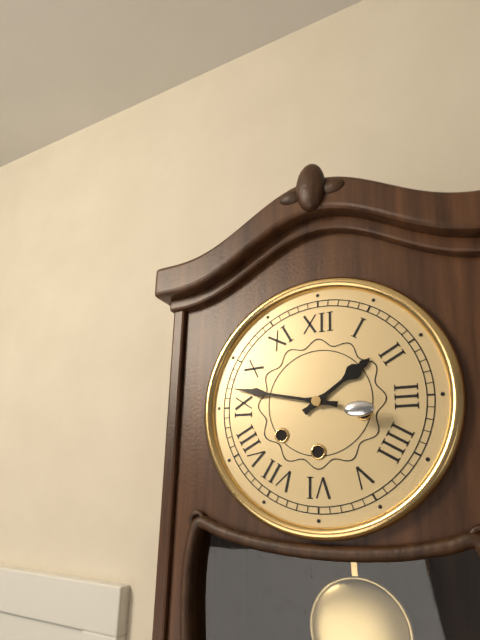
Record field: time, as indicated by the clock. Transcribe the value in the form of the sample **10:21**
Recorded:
**1:47**
